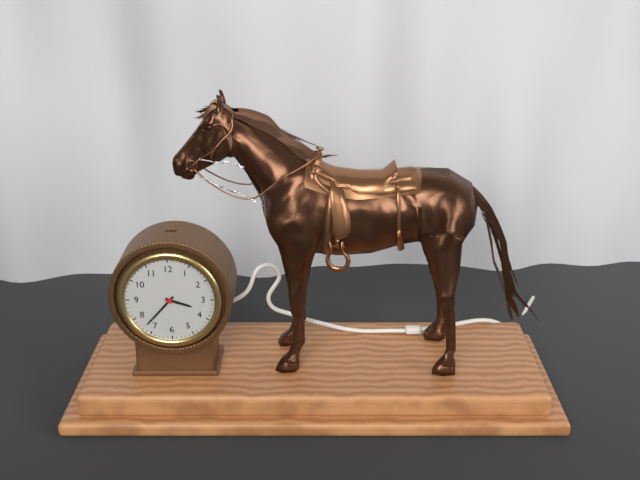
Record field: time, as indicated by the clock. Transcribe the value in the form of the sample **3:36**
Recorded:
**3:37**
